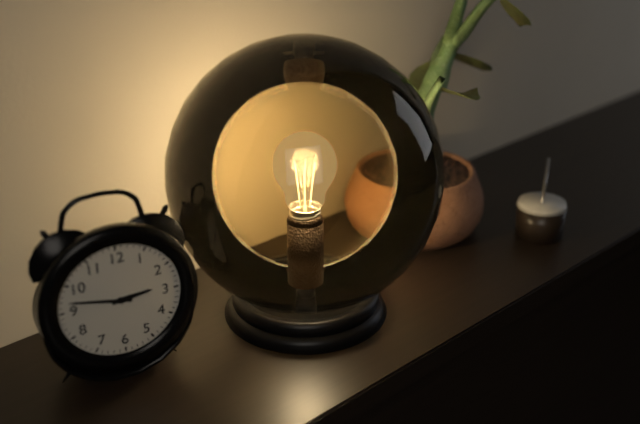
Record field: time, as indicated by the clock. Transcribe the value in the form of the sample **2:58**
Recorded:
**2:47**
